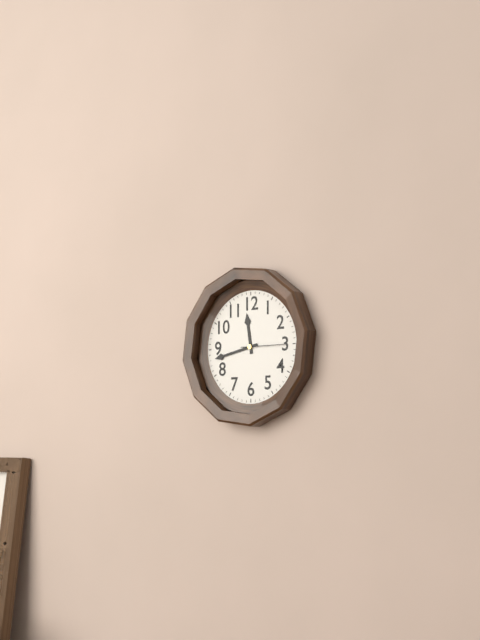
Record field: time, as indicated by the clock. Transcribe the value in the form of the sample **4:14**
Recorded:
**11:43**
